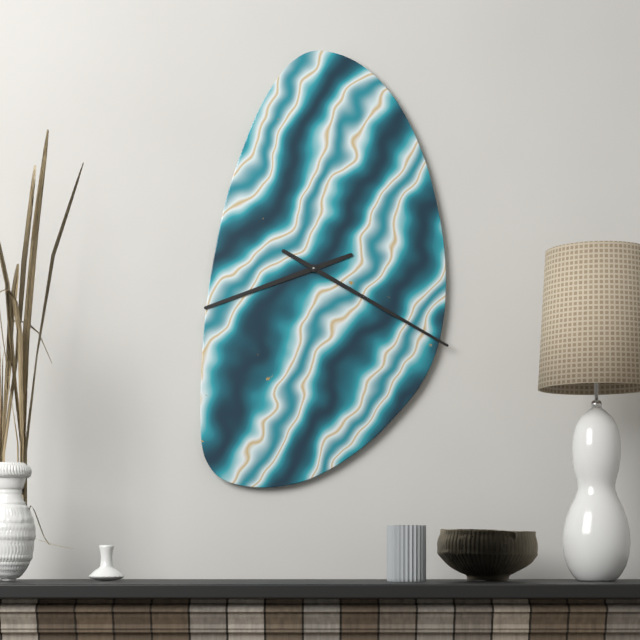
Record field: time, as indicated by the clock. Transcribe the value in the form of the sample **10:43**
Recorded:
**8:20**
